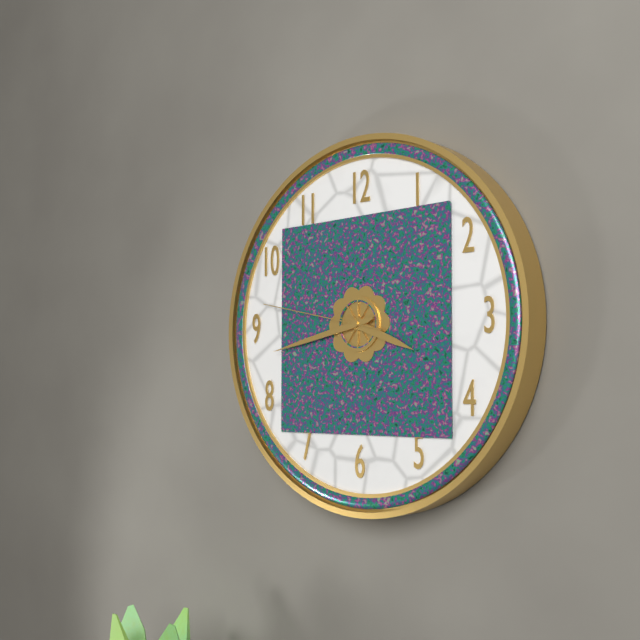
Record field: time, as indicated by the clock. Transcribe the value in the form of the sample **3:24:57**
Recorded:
**3:43:47**
